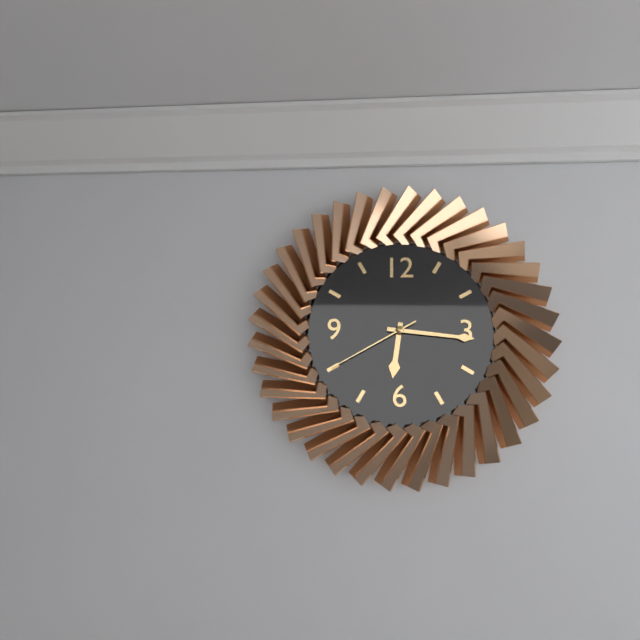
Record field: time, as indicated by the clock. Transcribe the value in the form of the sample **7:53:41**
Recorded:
**6:16:40**
